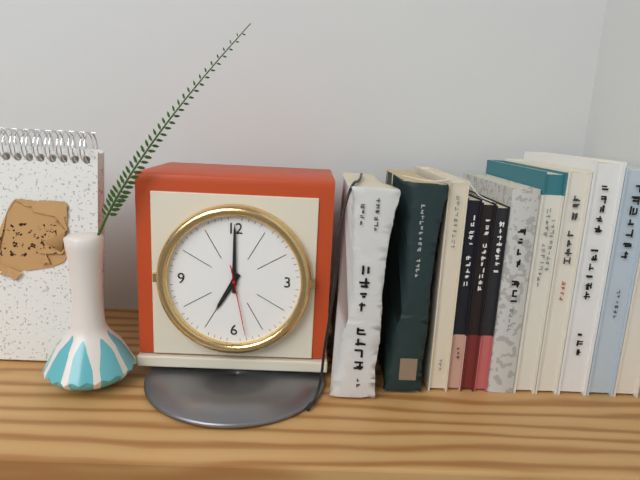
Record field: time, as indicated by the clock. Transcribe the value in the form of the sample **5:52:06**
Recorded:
**7:00:28**
